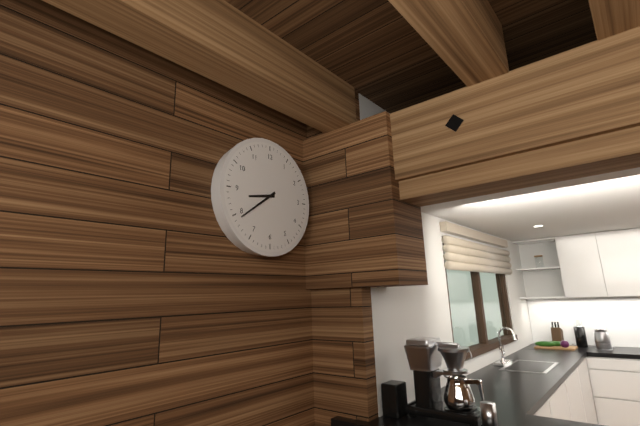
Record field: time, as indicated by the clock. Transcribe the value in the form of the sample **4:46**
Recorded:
**8:39**
